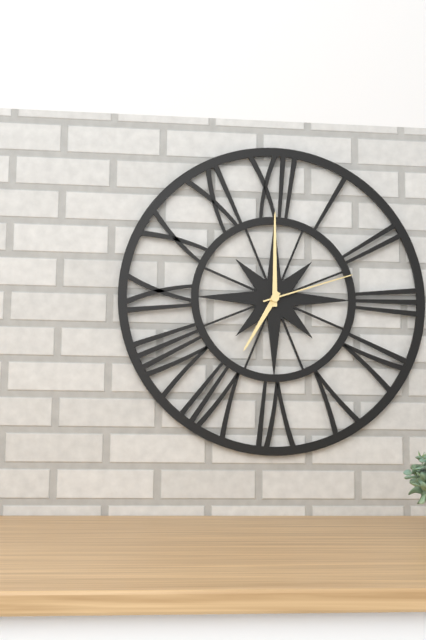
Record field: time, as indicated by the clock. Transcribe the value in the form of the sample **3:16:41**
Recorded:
**7:00:12**
